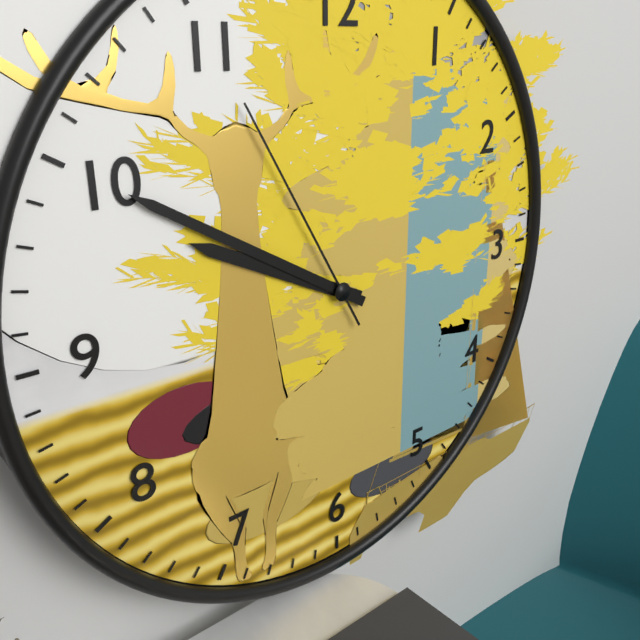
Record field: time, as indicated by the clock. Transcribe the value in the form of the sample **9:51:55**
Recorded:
**9:50:55**
